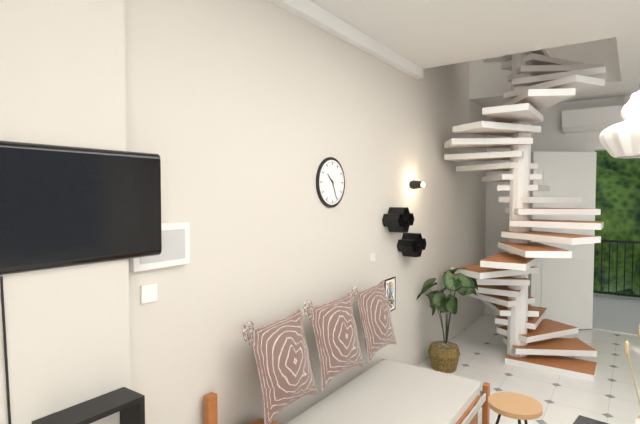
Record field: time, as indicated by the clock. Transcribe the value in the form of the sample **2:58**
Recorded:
**10:26**
